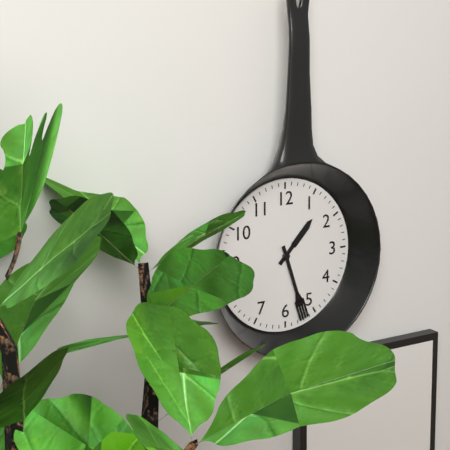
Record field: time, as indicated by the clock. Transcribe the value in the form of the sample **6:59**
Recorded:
**1:27**
